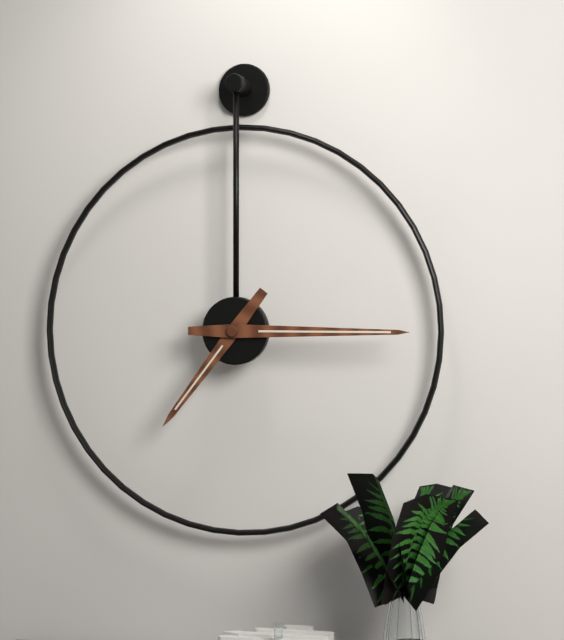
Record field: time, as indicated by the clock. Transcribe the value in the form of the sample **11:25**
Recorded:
**7:15**
